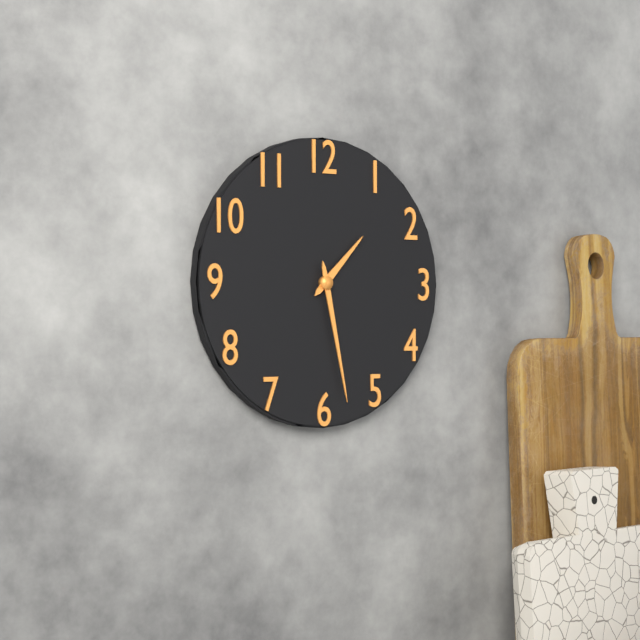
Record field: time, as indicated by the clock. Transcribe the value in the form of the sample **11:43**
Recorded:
**1:28**
